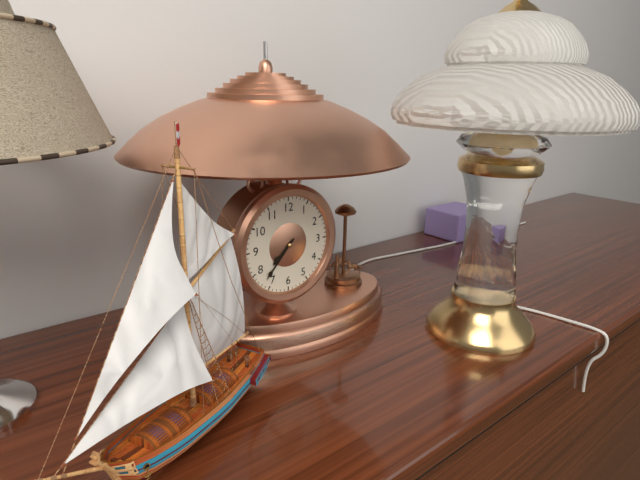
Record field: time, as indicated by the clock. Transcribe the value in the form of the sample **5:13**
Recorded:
**7:37**
